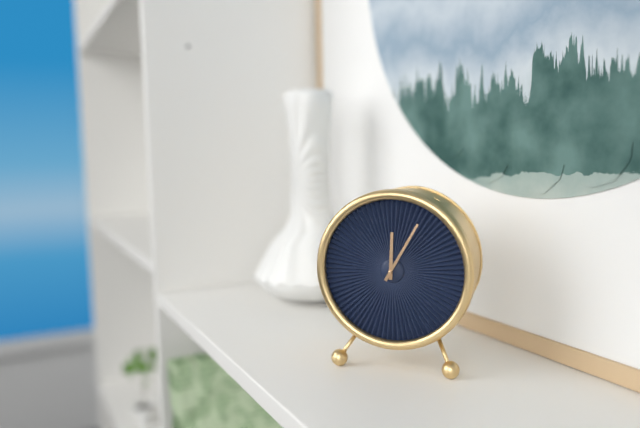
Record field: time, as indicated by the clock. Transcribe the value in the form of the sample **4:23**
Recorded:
**12:05**
